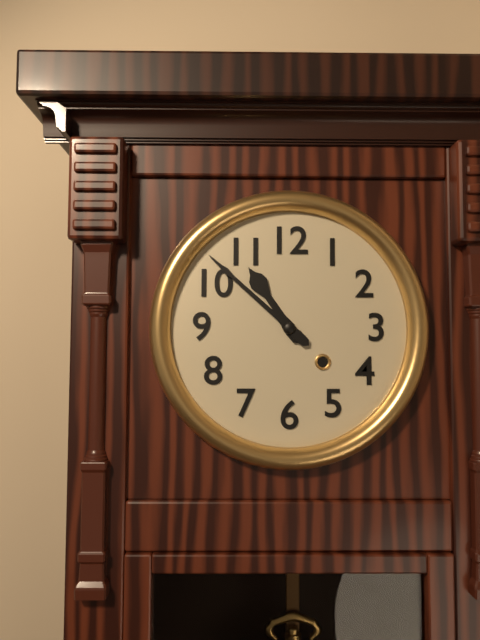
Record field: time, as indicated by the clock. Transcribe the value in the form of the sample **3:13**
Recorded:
**10:52**
